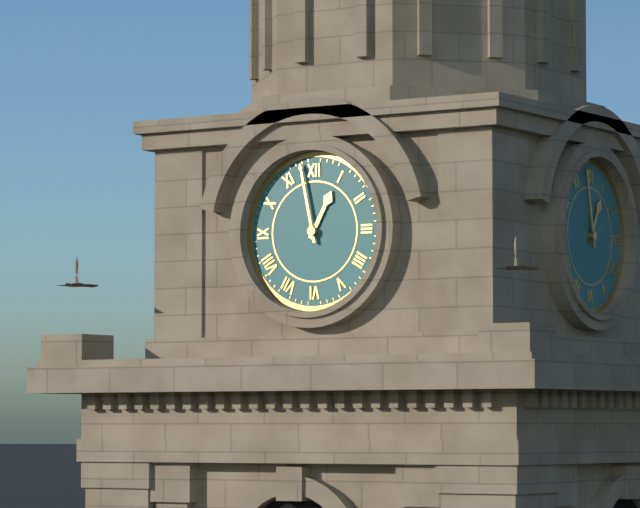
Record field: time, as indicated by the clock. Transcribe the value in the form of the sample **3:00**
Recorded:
**12:58**
